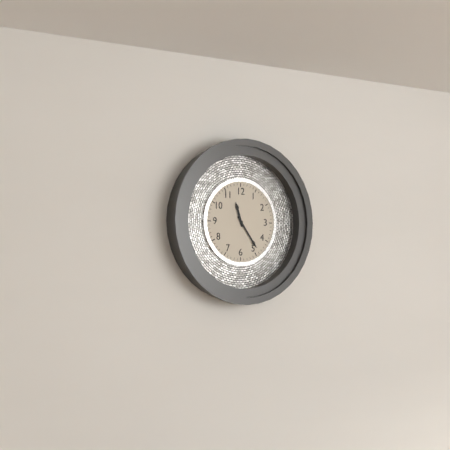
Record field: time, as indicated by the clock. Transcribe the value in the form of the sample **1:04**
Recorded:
**11:24**
